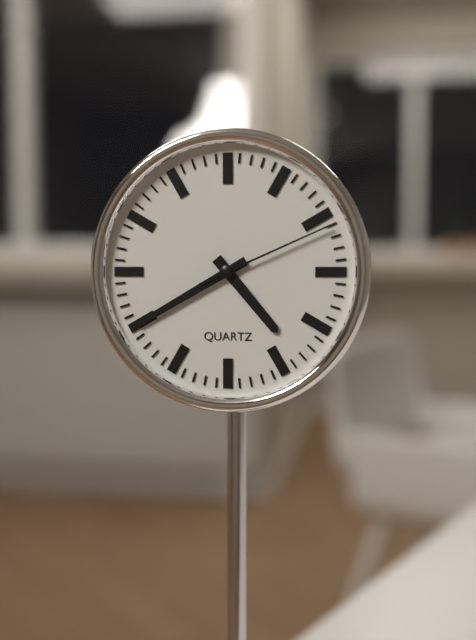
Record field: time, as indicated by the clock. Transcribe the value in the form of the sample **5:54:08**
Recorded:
**4:40:11**
